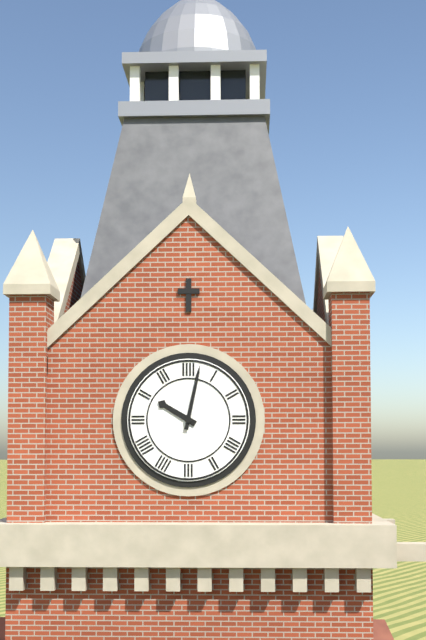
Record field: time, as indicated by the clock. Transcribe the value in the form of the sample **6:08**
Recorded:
**10:02**
